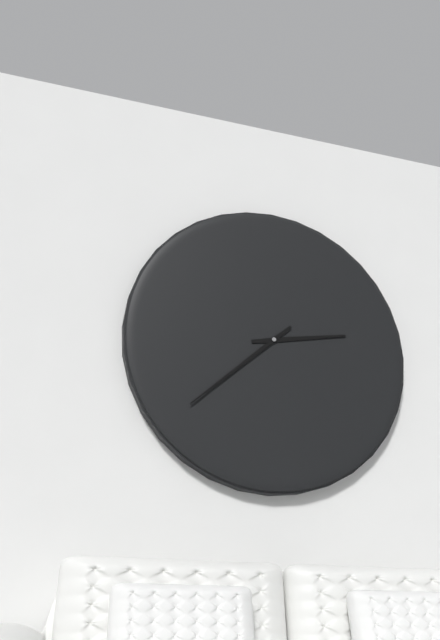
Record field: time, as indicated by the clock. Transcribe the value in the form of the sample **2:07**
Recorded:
**2:38**
